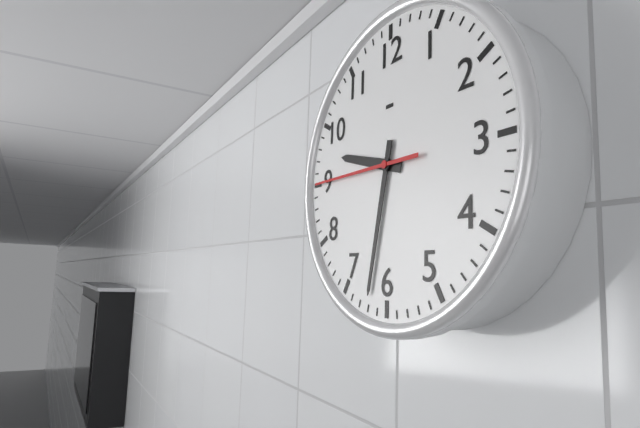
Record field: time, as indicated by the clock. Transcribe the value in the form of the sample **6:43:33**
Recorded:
**9:32:45**
